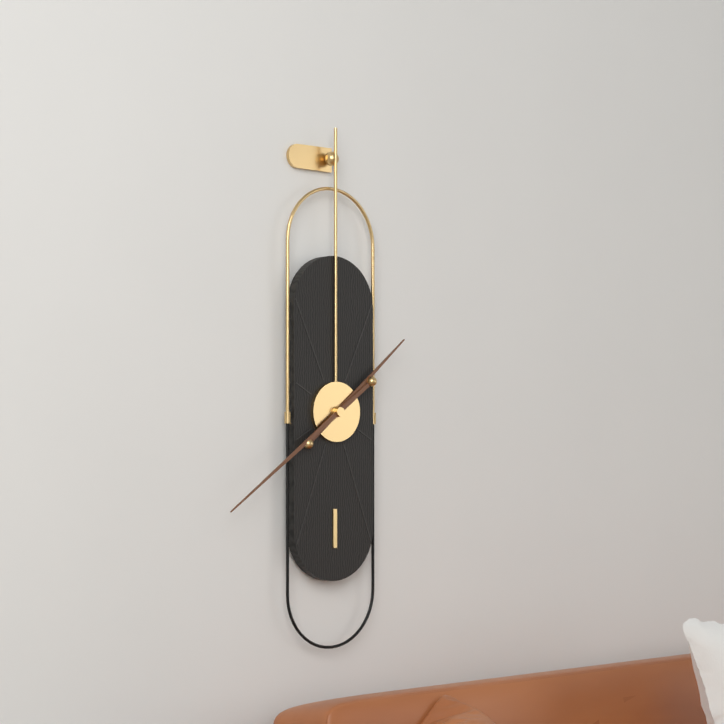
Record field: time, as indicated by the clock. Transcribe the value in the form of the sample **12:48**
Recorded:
**1:39**
